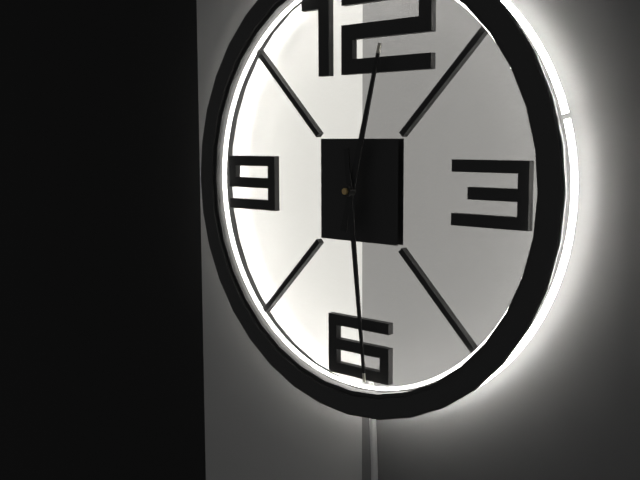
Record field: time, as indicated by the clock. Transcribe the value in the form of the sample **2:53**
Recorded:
**12:29**
